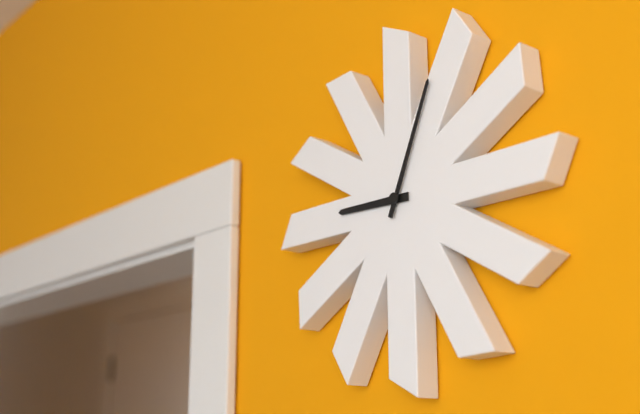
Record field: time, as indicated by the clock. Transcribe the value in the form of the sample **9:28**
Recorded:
**9:04**
